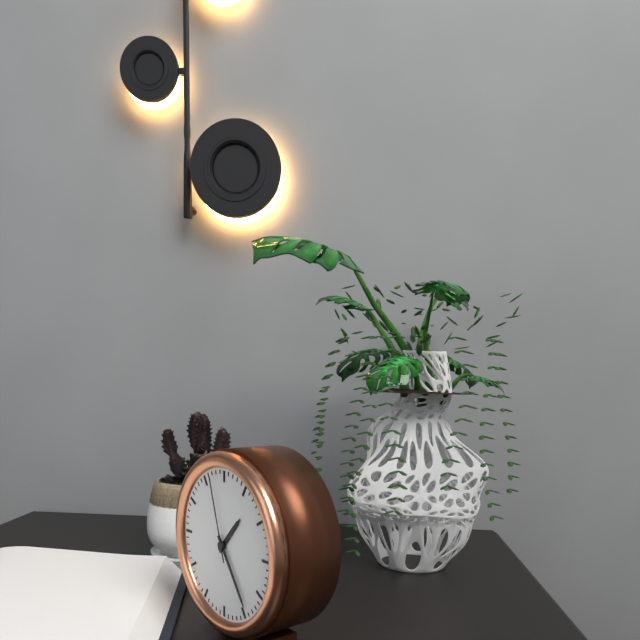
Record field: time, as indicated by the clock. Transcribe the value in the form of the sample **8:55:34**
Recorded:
**1:24:57**
